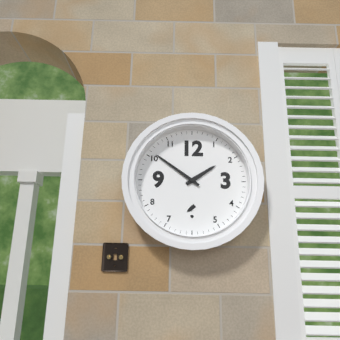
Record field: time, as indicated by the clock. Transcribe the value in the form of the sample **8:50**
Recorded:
**1:51**
